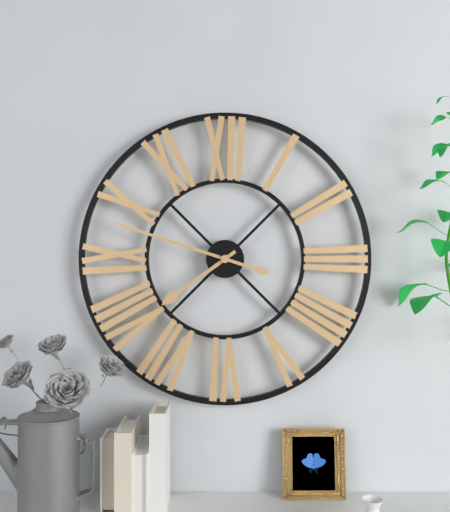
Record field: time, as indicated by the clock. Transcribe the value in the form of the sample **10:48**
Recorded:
**7:48**
